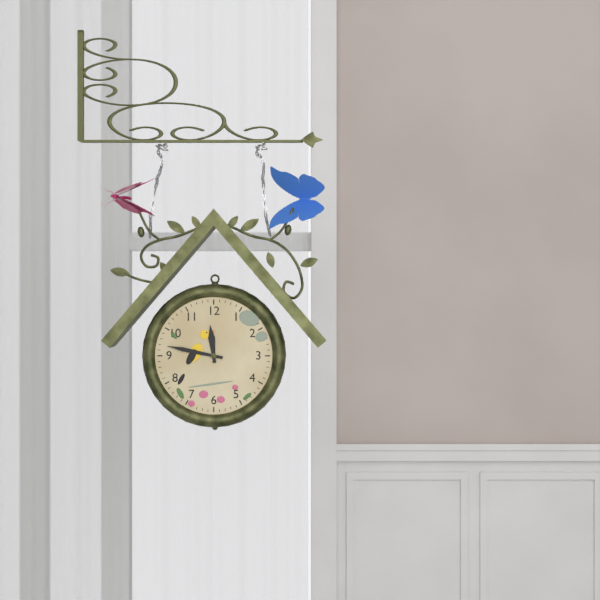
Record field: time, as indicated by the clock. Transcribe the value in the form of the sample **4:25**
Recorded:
**11:47**
